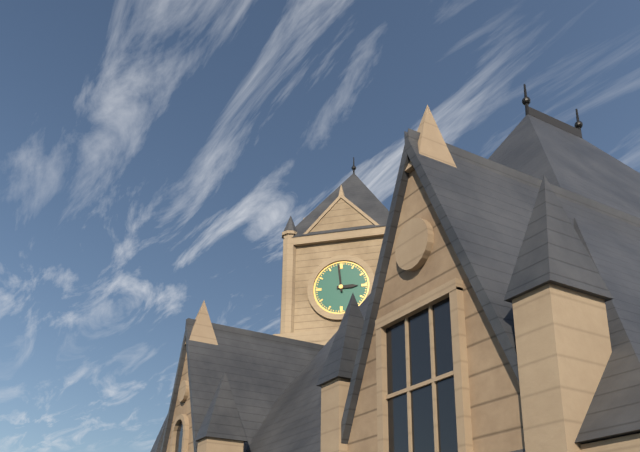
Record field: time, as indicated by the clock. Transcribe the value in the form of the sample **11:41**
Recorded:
**2:59**
